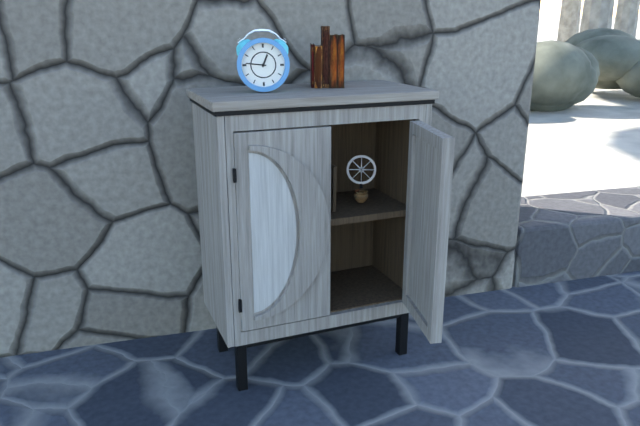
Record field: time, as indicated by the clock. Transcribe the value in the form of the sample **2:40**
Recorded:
**12:46**
